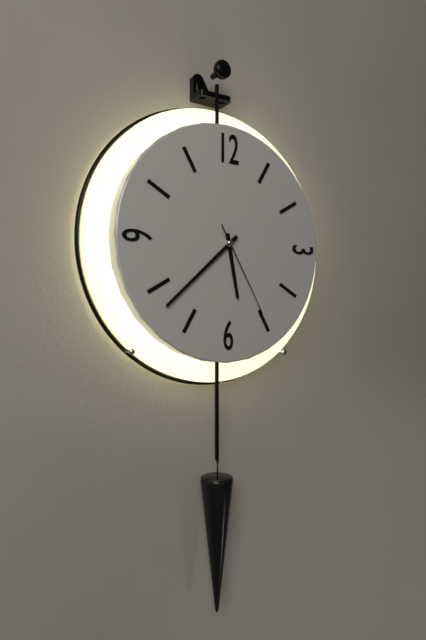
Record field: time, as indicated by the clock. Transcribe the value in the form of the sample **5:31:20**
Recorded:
**5:38:25**
